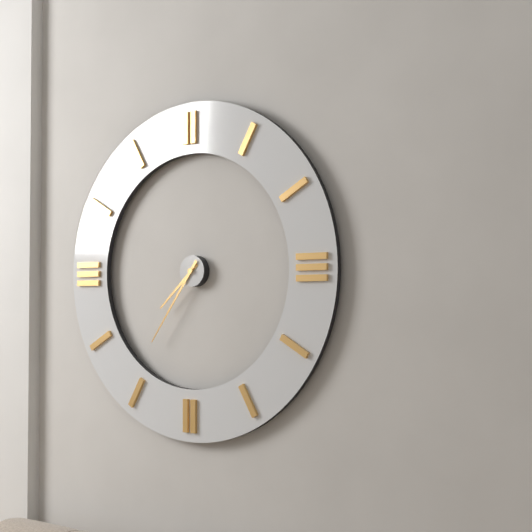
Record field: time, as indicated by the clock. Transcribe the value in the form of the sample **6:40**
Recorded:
**7:36**
